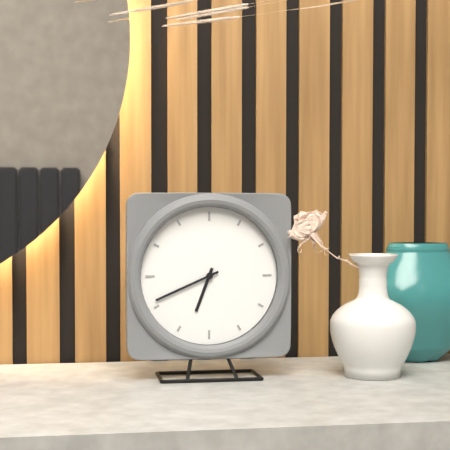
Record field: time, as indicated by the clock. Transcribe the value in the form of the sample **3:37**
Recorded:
**6:41**
